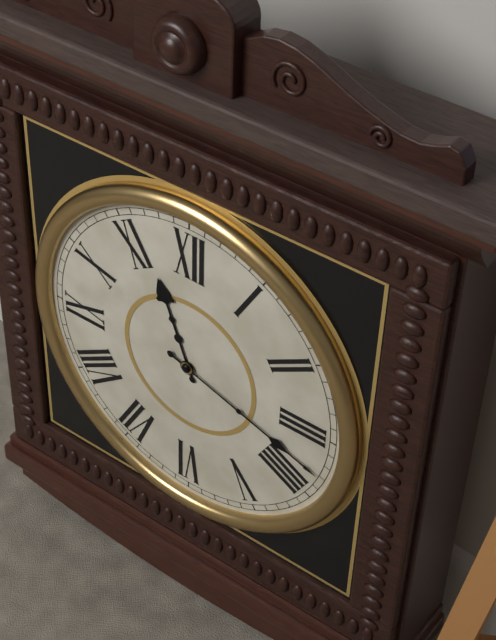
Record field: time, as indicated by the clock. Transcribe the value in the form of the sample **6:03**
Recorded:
**11:18**
